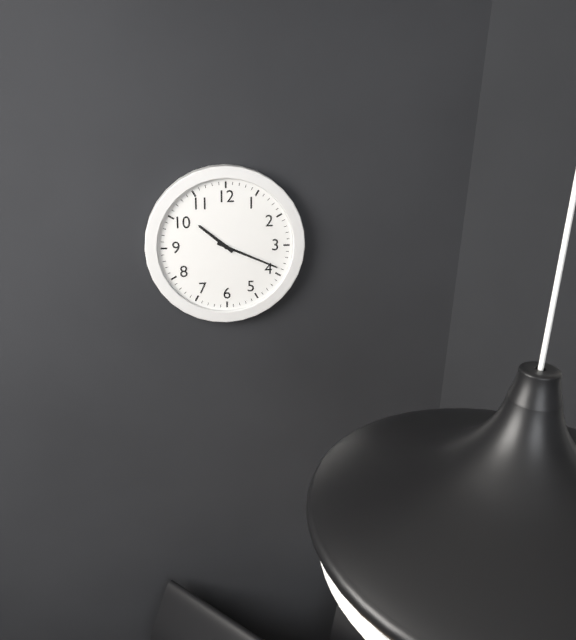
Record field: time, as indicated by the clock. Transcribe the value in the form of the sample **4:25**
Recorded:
**10:19**
